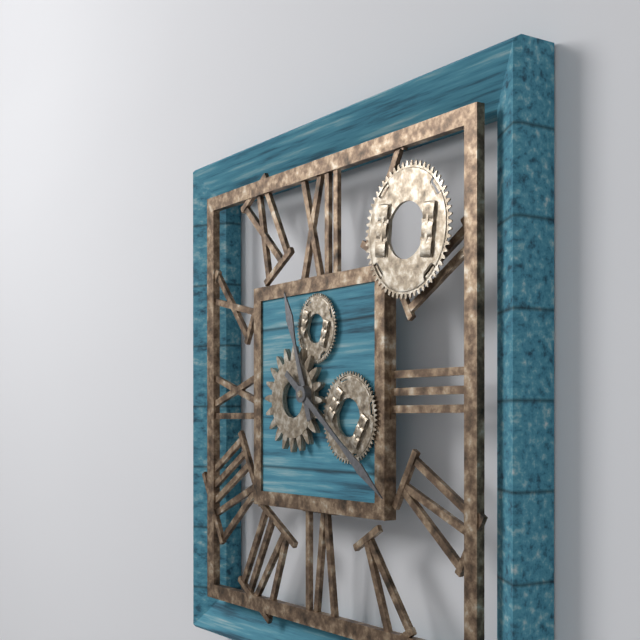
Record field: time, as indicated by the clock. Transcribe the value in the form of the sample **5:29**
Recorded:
**11:21**
